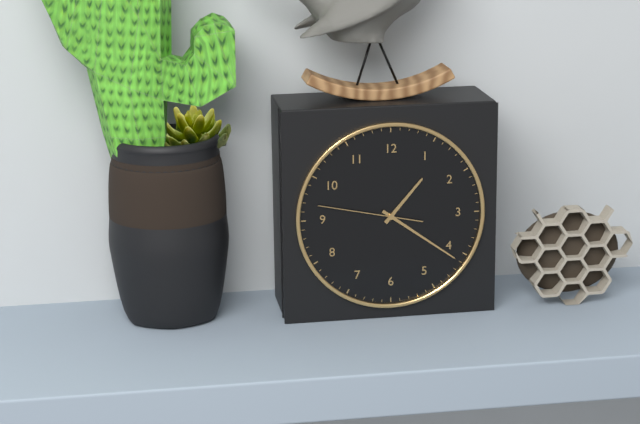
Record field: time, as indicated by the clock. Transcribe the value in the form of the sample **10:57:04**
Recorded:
**1:21:47**
